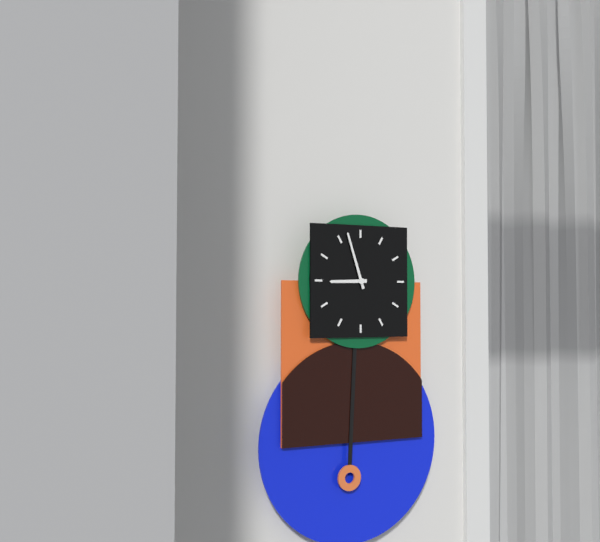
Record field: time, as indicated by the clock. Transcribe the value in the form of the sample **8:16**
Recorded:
**8:57**
